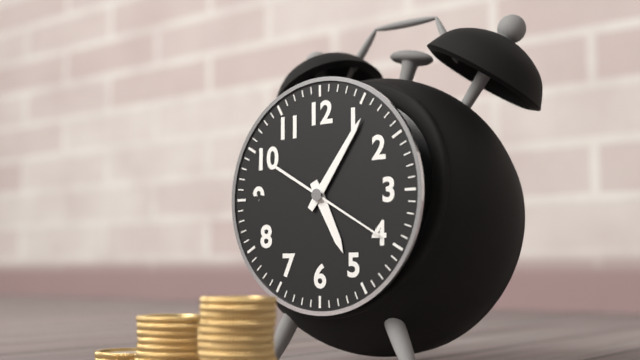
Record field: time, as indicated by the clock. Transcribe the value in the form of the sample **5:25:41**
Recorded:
**5:06:20**
